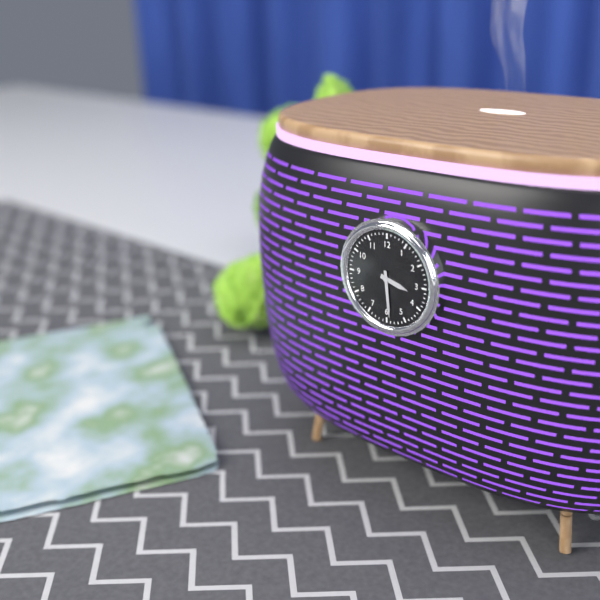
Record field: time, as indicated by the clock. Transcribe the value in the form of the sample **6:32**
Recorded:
**3:29**
